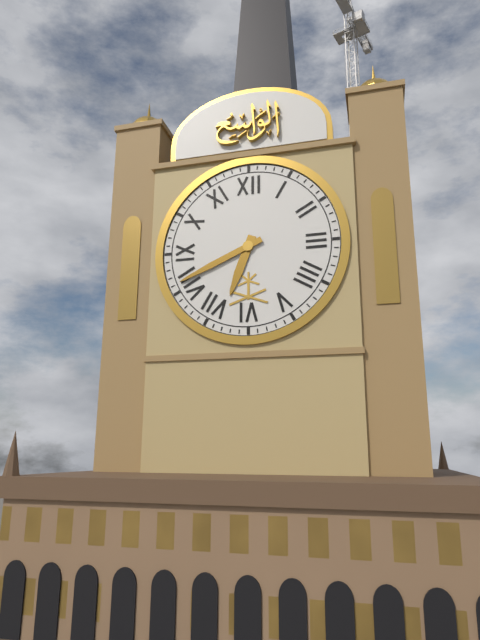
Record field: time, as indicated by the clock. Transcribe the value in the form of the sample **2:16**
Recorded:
**6:41**
